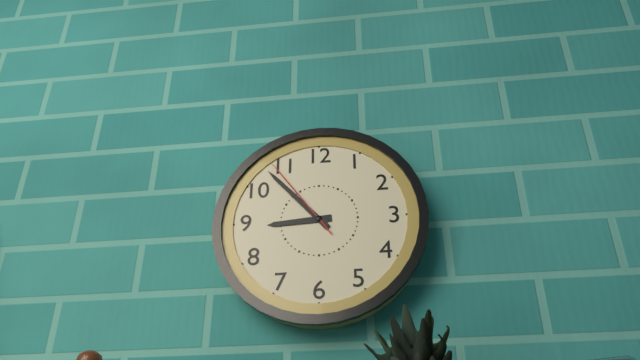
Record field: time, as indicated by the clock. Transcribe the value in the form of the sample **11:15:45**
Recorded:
**8:53:54**
